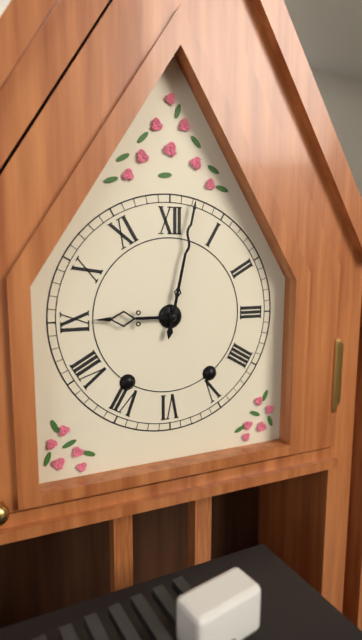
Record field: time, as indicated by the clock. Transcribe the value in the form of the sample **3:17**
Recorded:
**9:02**
